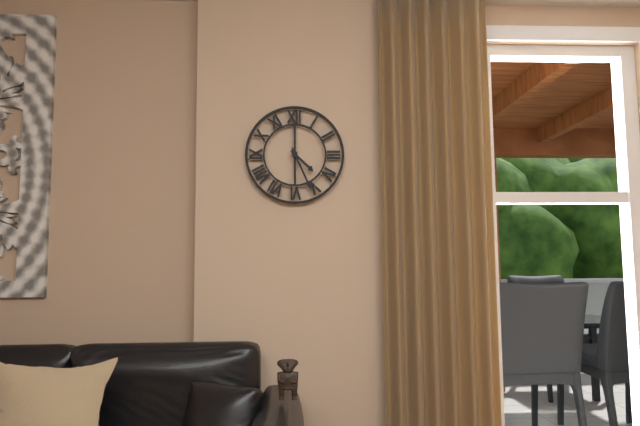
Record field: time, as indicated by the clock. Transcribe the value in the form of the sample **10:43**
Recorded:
**4:26**
